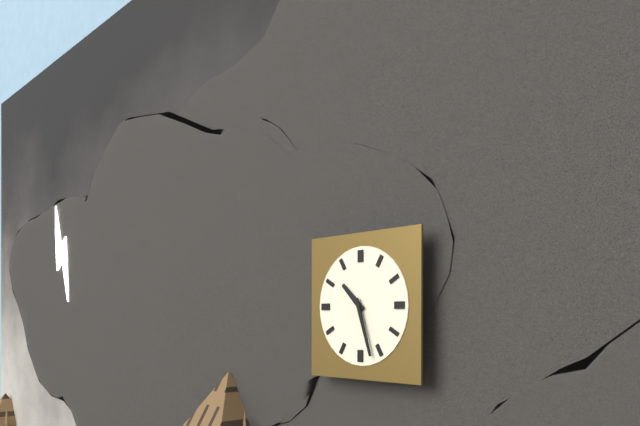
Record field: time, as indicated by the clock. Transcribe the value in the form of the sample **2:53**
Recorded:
**10:27**
